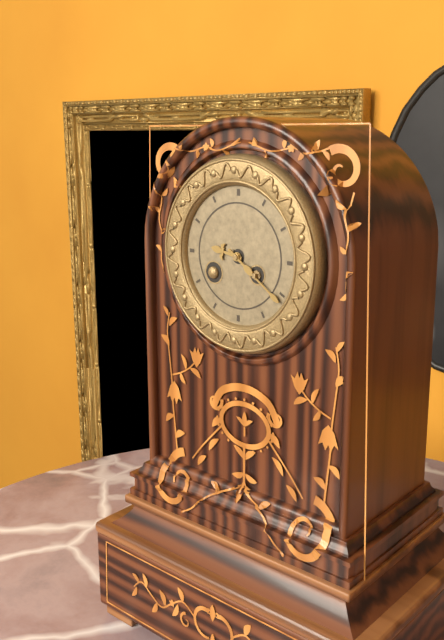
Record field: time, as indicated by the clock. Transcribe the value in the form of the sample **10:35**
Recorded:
**9:21**
